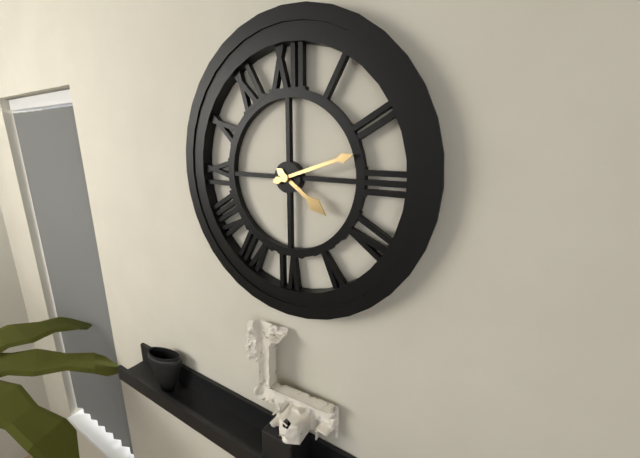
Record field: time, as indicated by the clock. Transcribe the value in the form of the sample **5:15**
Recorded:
**4:12**
